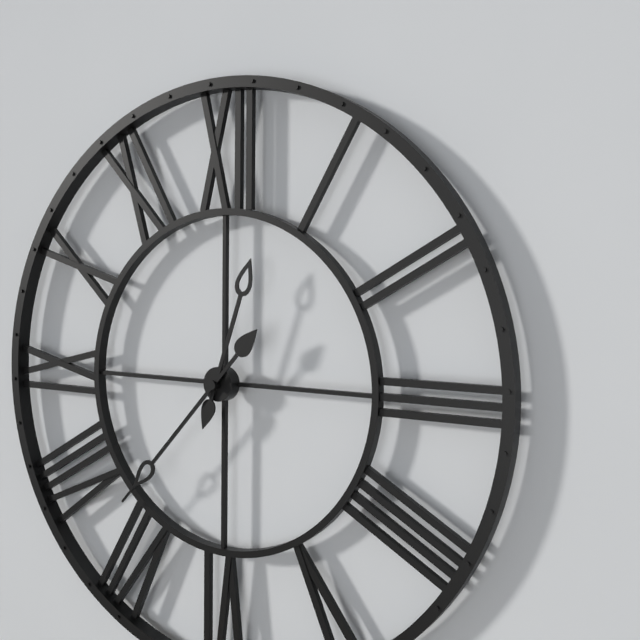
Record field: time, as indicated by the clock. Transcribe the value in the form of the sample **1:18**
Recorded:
**12:37**
